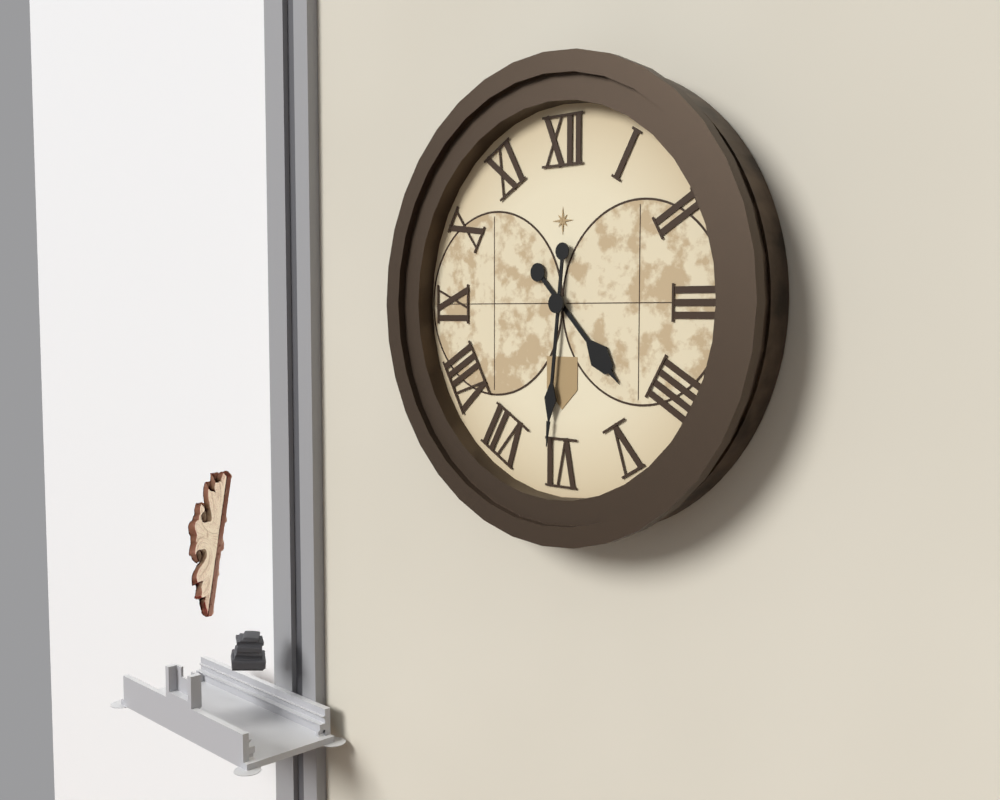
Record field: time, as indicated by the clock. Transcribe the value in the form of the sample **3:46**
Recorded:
**4:31**
